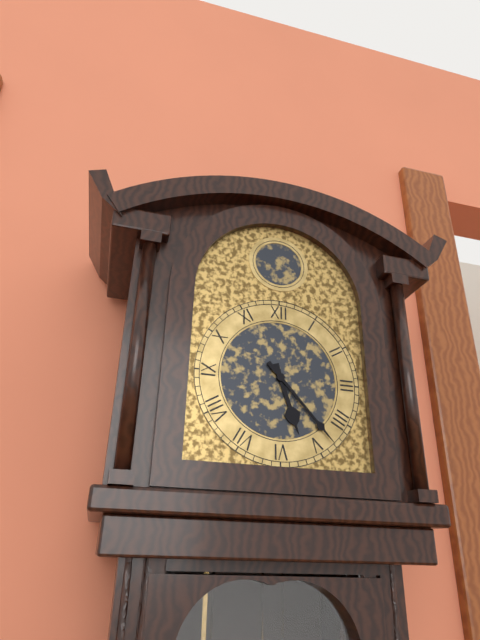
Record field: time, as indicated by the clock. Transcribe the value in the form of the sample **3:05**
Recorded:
**5:23**
